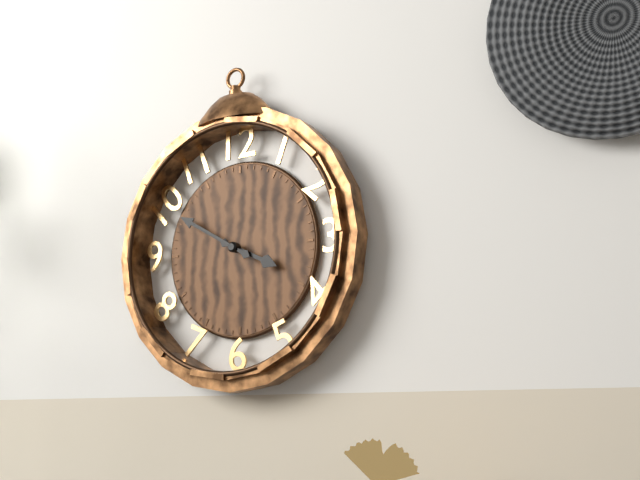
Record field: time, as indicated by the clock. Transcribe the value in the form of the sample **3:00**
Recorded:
**3:50**
